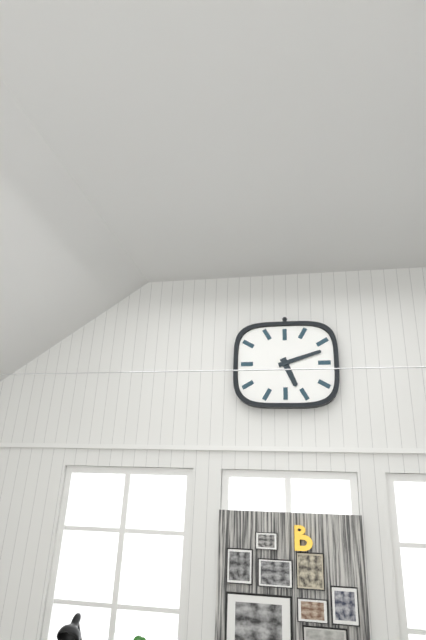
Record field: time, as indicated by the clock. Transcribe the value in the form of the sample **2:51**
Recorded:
**5:12**
